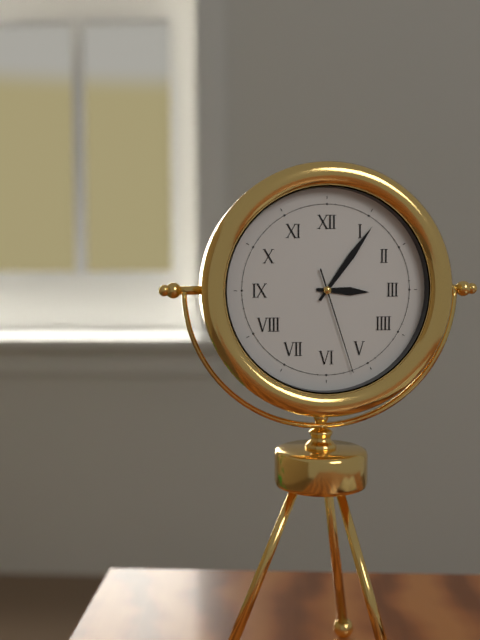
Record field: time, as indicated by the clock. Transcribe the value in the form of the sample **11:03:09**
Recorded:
**3:06:27**
